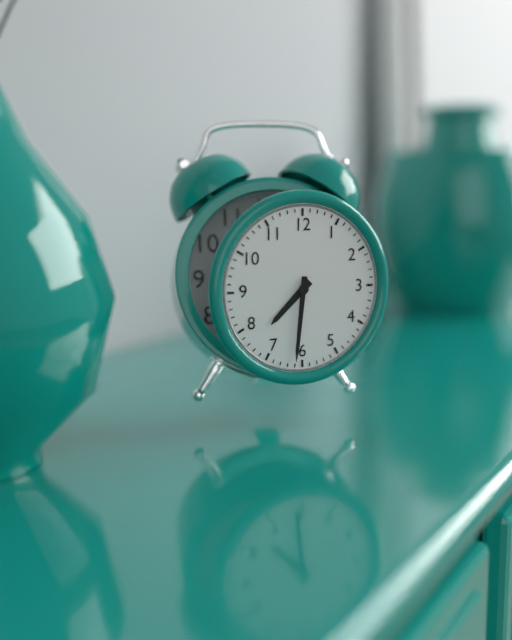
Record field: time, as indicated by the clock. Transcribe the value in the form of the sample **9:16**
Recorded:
**7:31**
